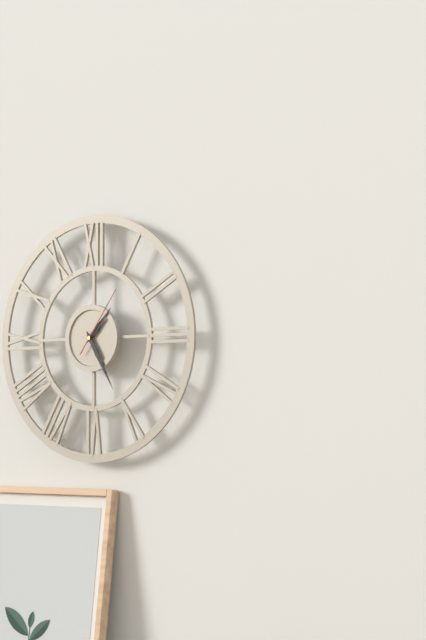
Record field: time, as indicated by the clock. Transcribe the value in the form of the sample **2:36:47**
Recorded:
**1:25:06**
